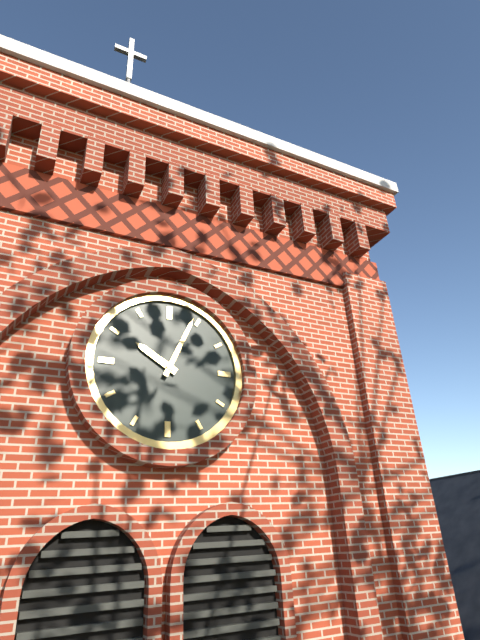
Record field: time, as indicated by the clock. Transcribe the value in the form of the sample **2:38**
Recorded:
**10:04**
